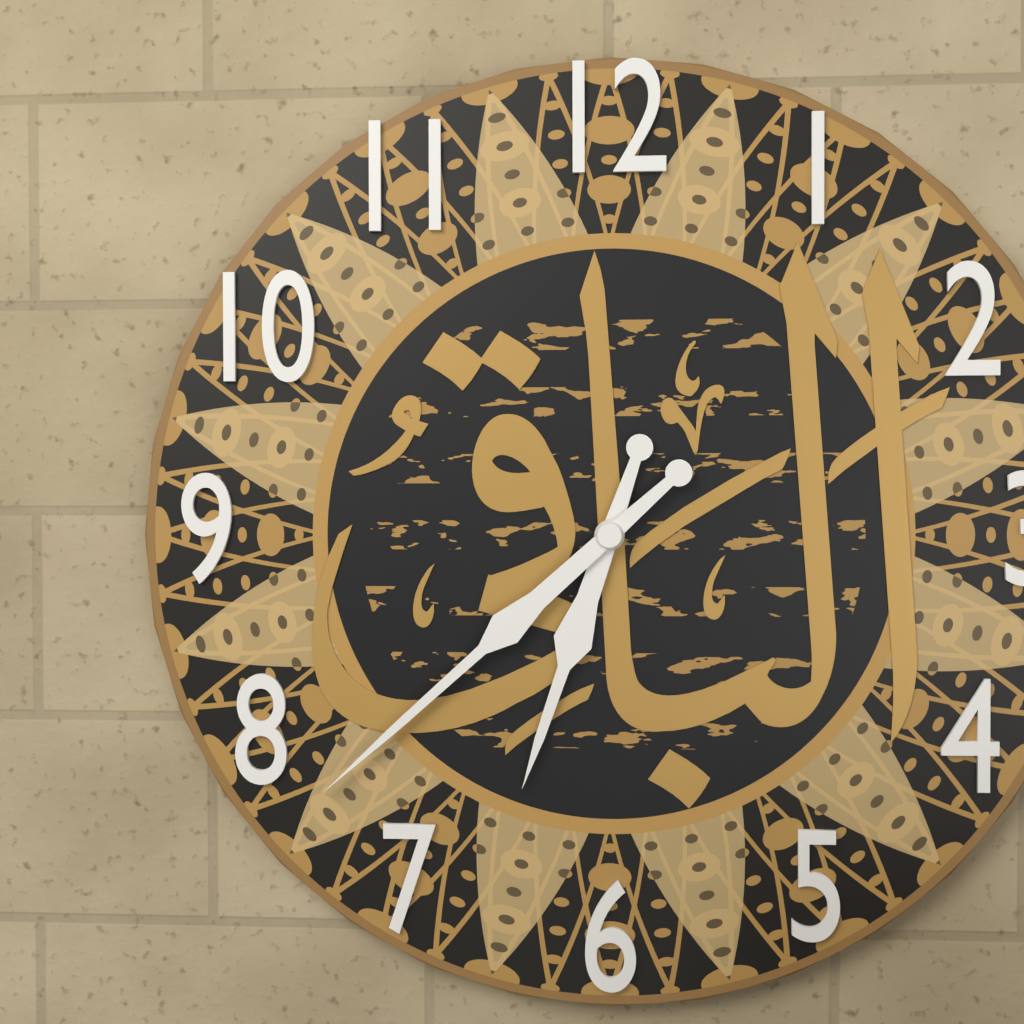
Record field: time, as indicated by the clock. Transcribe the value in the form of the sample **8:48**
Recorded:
**6:38**
